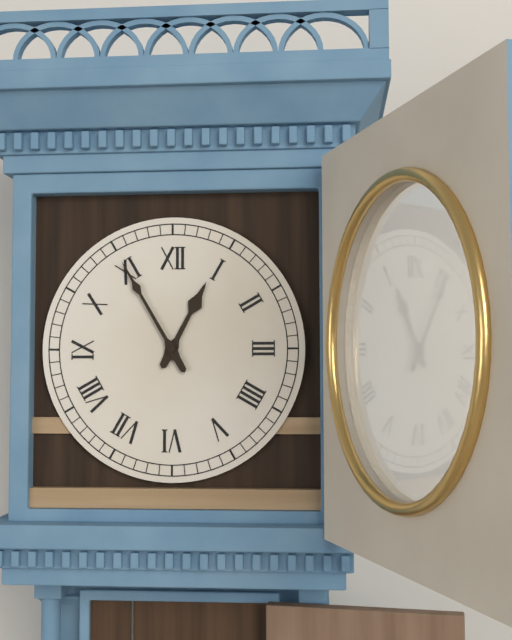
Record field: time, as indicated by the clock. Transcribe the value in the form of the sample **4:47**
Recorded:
**12:55**
